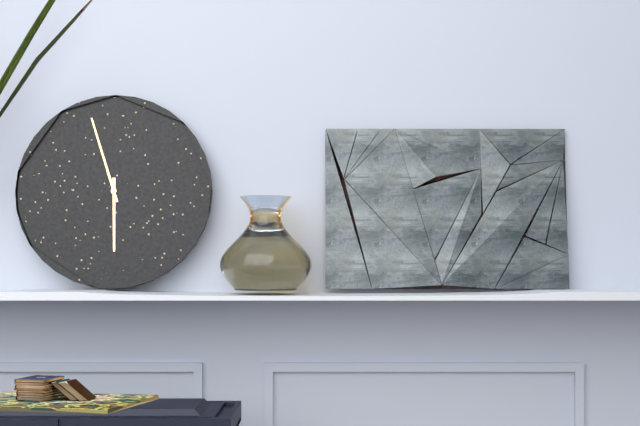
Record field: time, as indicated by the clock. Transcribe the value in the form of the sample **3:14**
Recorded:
**5:57**
